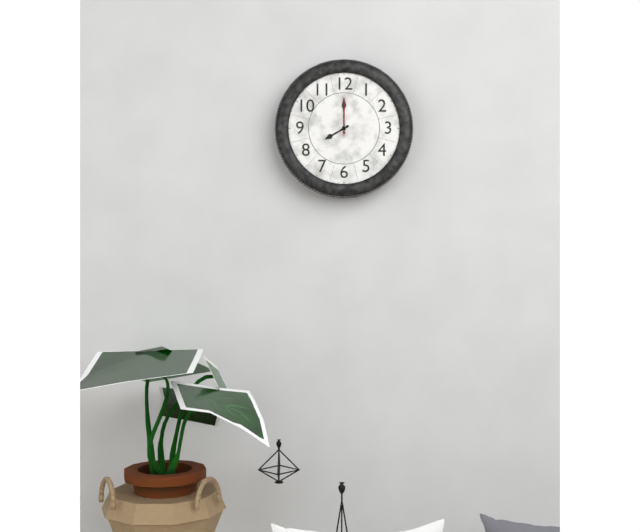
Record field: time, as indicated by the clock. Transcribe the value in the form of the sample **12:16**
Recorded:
**8:00**
